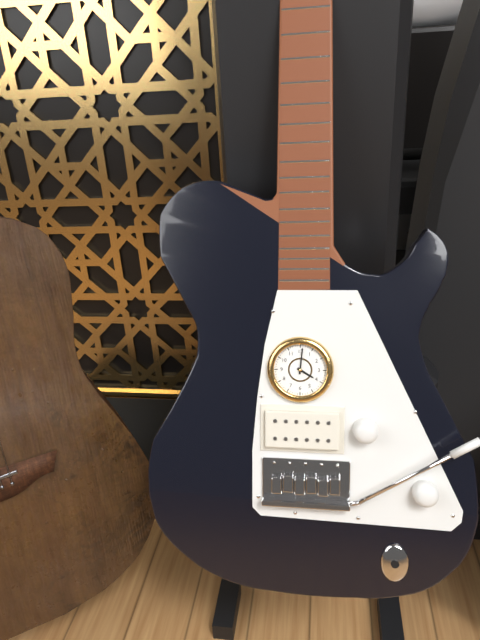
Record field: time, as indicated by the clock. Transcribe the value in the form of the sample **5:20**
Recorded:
**4:01**
